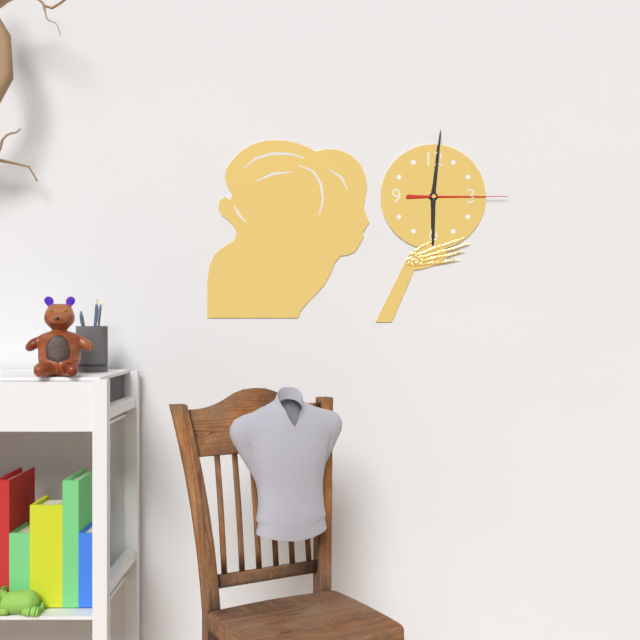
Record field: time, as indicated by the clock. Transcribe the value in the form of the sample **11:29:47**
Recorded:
**6:01:15**
